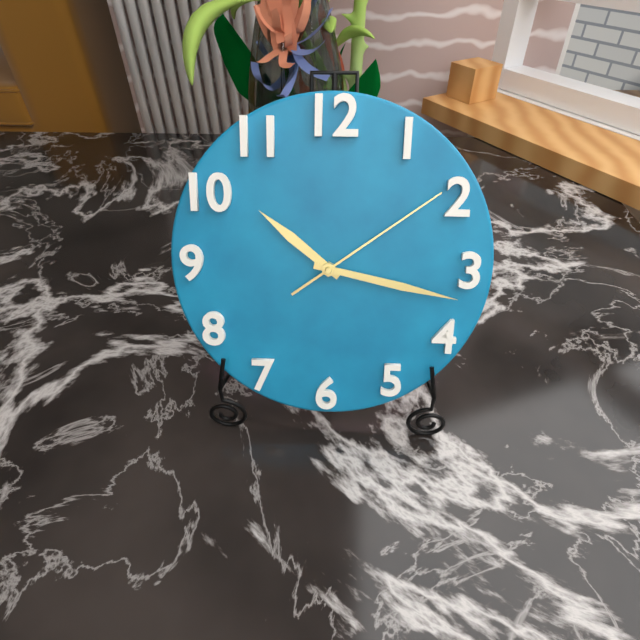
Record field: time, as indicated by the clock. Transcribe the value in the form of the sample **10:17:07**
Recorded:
**10:17:09**
